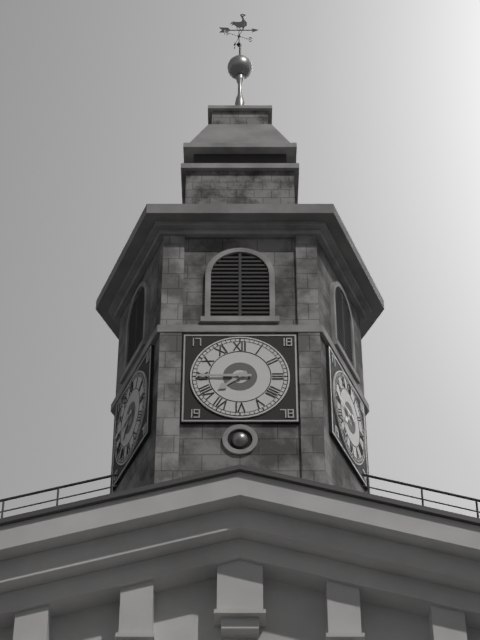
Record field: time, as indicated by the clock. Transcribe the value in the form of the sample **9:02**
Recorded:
**7:45**
